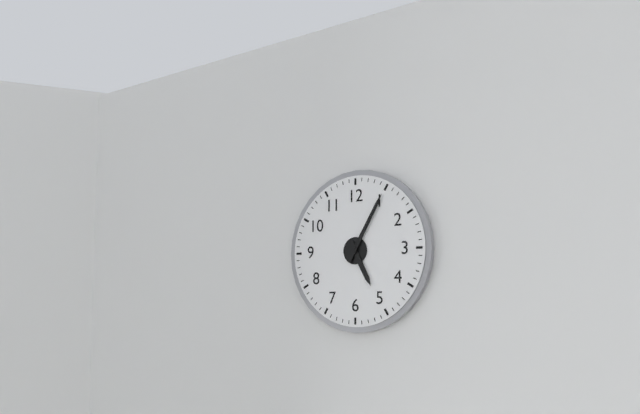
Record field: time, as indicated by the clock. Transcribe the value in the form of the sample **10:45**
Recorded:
**5:05**
